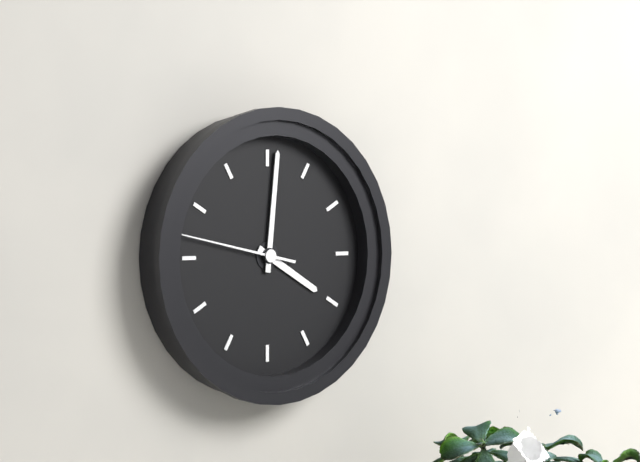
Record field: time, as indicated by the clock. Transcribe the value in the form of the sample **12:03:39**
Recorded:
**4:01:47**
